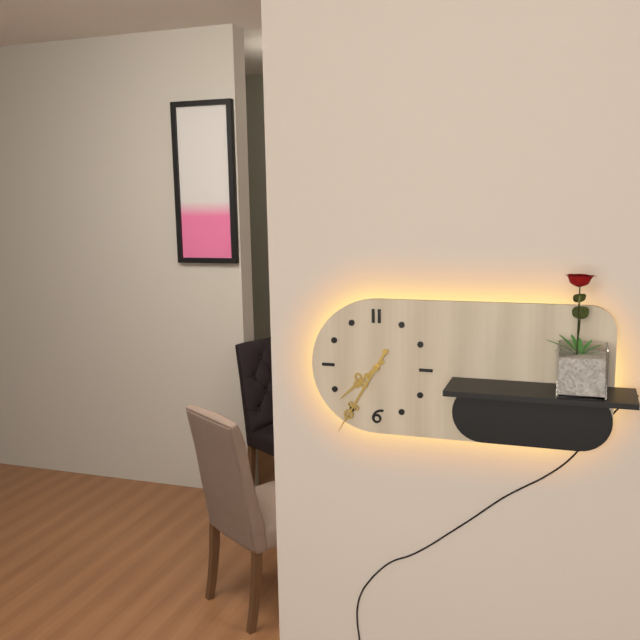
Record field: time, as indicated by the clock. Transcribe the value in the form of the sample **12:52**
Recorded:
**7:35**
